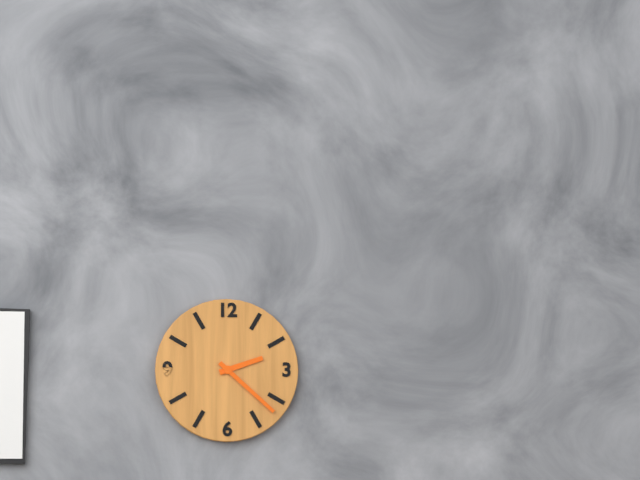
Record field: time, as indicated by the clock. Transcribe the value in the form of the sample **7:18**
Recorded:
**2:22**
